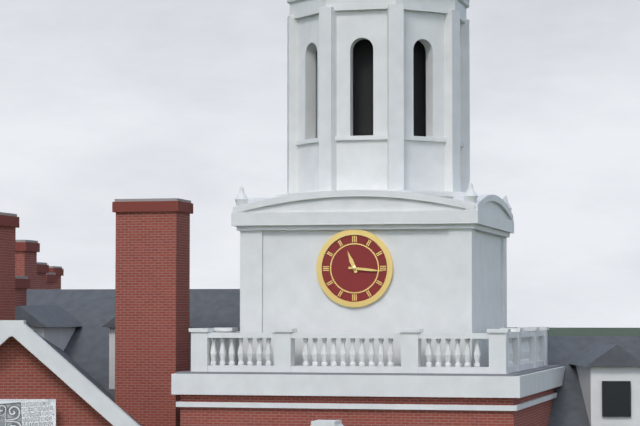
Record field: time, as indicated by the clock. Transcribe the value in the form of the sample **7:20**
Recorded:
**11:16**
